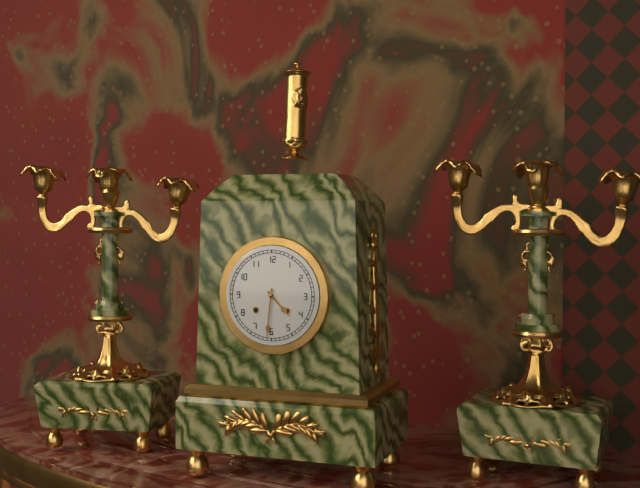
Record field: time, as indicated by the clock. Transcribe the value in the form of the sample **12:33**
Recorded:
**4:31**
